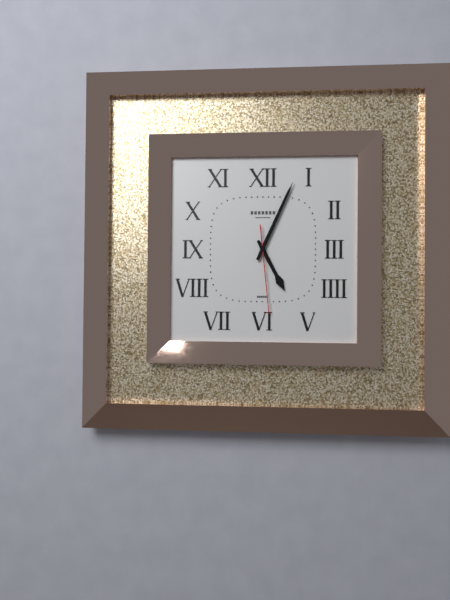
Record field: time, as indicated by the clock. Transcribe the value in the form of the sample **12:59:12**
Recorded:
**5:04:29**
